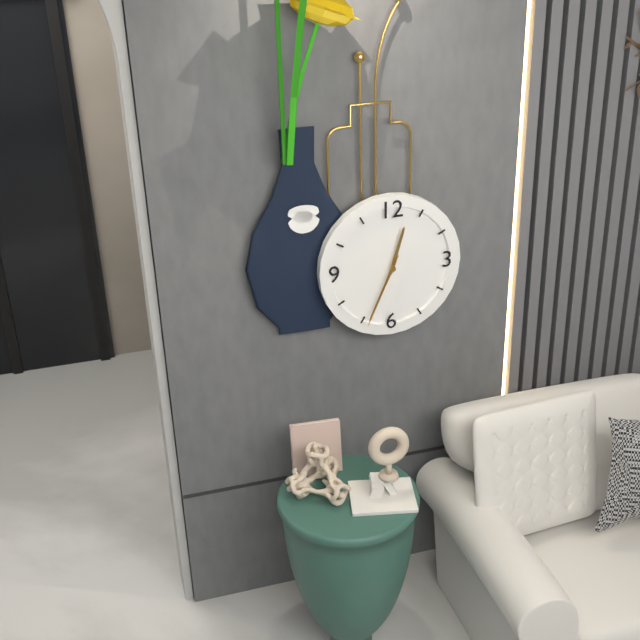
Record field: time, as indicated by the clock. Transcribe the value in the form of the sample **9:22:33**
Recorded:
**12:34:34**
